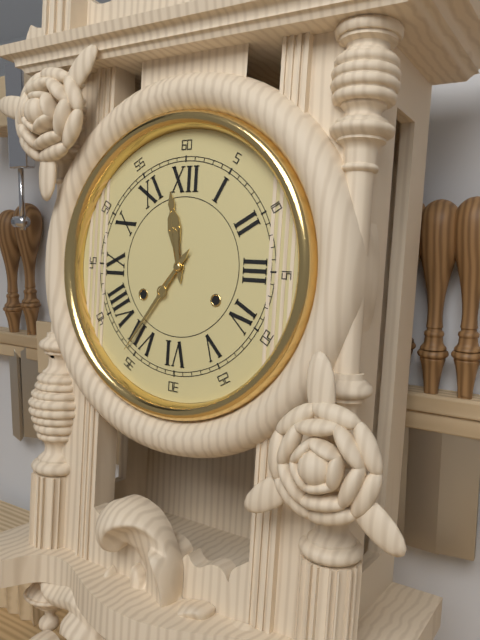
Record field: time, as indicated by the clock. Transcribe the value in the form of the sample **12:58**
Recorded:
**11:36**
